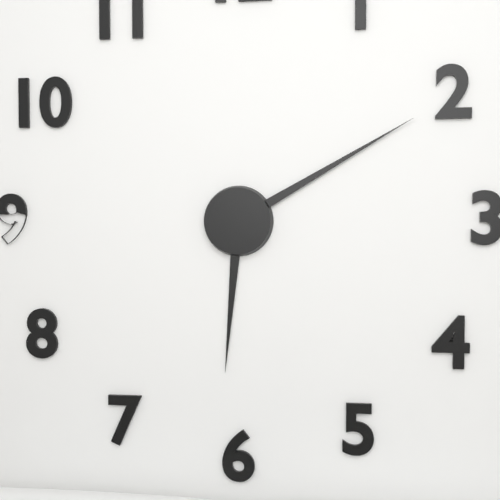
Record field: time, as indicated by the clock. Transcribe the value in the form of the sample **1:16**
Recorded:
**6:10**
